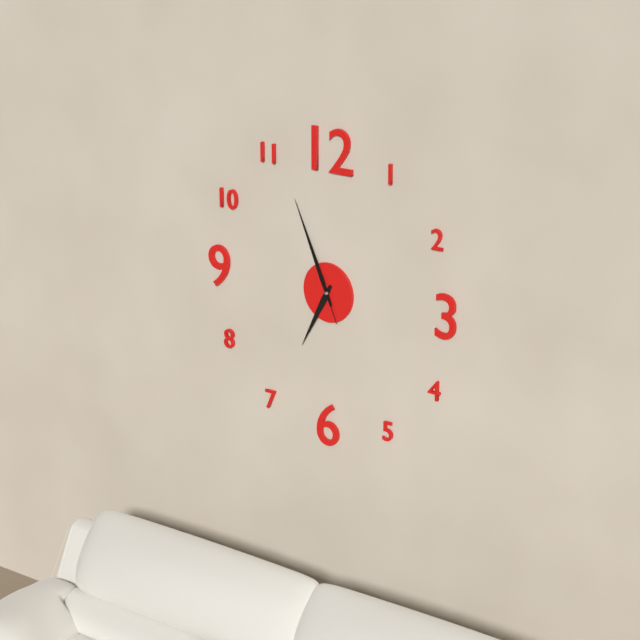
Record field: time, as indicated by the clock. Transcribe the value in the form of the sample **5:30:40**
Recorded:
**6:56:56**
